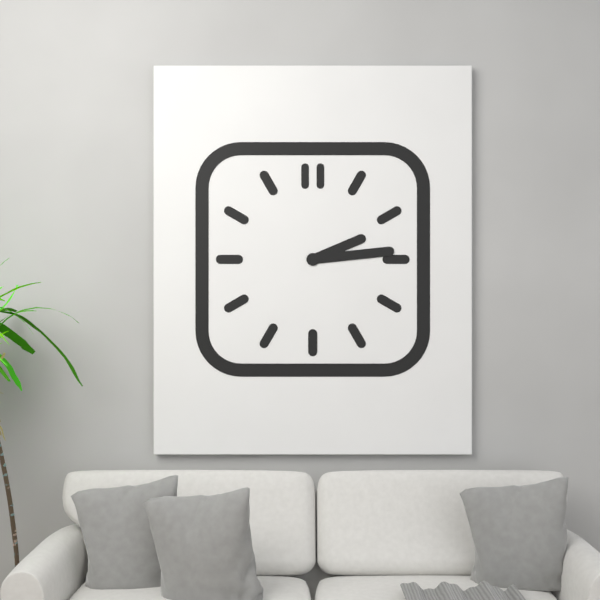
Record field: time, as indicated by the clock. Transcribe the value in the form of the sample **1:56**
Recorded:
**2:14**
